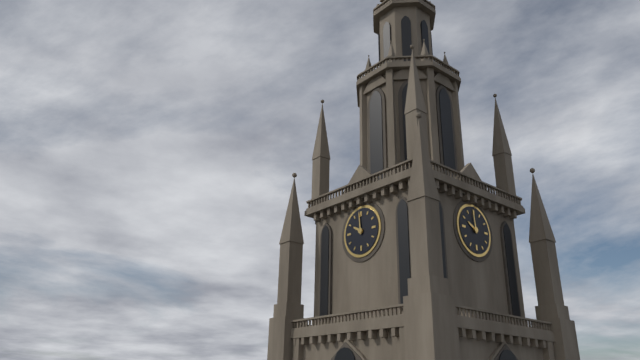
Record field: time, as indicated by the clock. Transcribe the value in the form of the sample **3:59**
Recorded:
**9:59**
